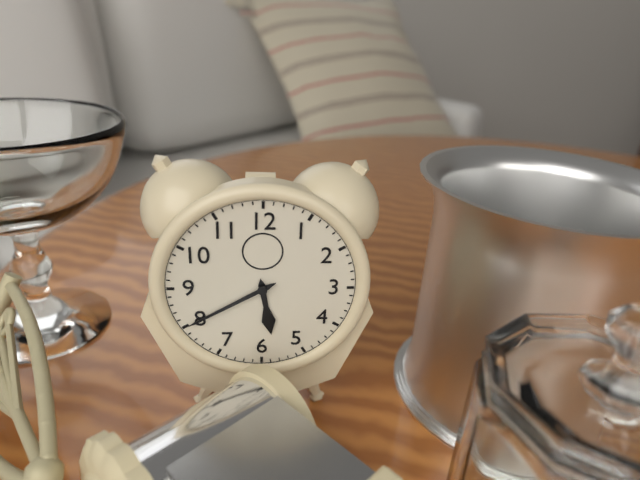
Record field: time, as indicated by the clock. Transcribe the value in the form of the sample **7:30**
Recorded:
**5:40**
